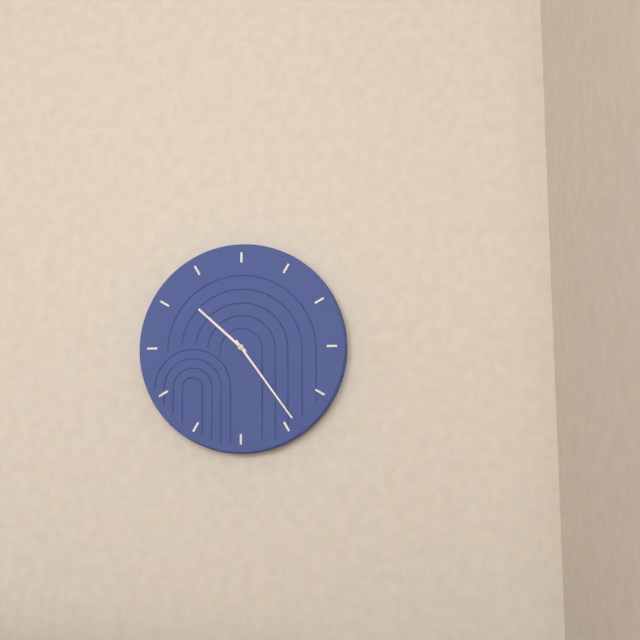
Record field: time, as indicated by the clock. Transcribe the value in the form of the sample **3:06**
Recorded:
**10:24**
